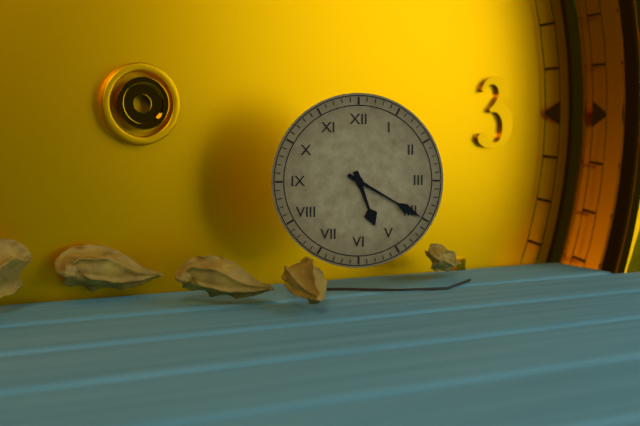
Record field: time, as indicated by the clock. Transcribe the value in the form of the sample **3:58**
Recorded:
**5:20**
